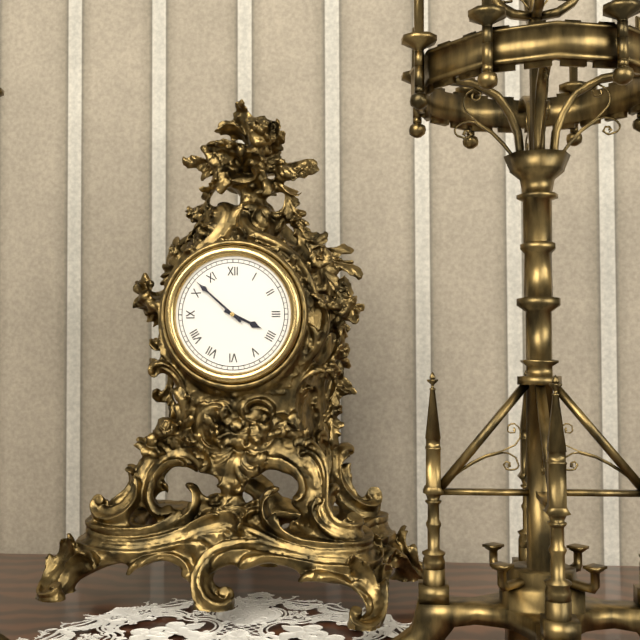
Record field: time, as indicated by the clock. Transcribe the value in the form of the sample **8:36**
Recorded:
**3:52**
